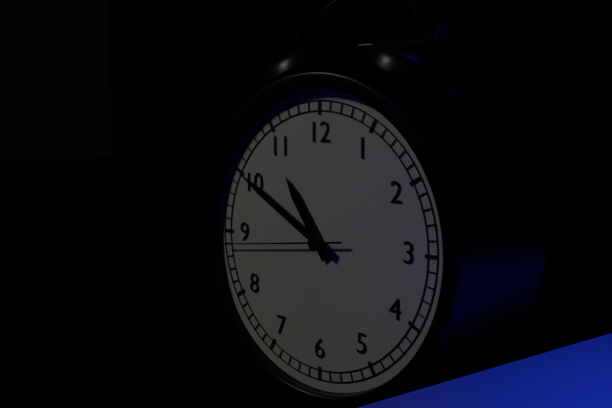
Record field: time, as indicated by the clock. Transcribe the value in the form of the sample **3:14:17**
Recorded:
**10:50:44**
